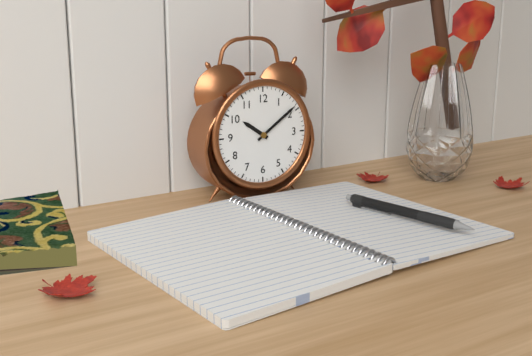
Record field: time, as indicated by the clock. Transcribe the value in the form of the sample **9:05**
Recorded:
**10:09**
